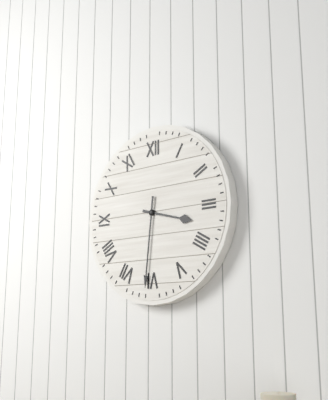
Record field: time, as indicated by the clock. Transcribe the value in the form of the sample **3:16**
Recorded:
**3:31**
